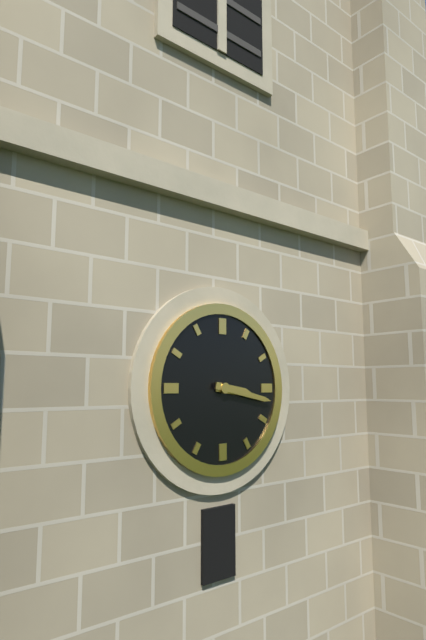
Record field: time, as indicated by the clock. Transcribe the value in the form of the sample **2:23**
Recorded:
**3:17**
